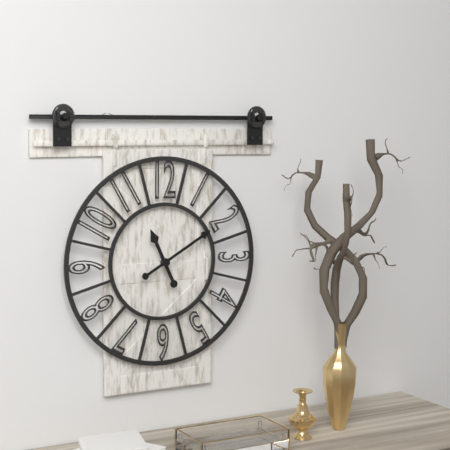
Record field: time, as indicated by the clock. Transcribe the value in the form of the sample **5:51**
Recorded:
**11:10**
